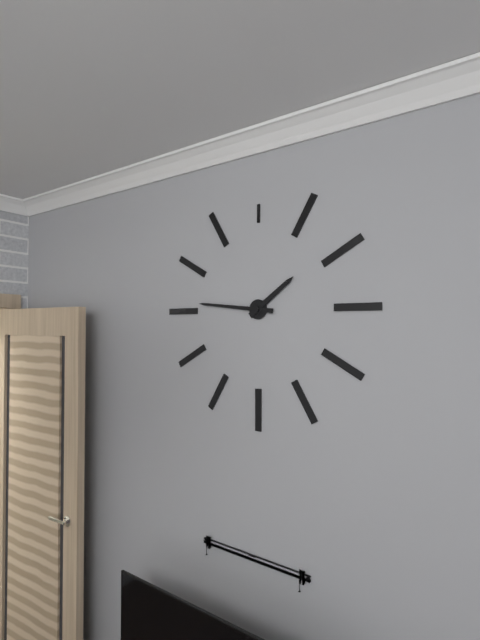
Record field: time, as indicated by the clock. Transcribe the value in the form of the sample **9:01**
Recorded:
**1:46**
